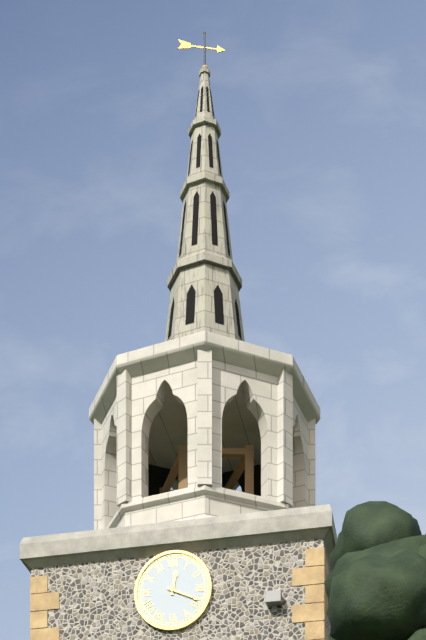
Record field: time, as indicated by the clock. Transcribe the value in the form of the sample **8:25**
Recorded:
**12:19**
